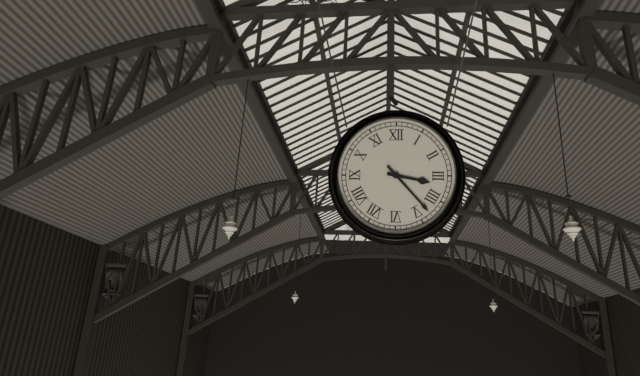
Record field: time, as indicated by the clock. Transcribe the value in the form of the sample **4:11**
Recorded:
**3:23**
